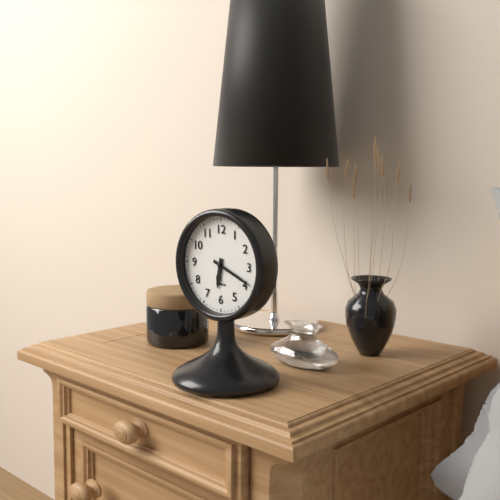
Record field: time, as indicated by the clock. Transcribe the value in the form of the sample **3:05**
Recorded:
**6:19**
